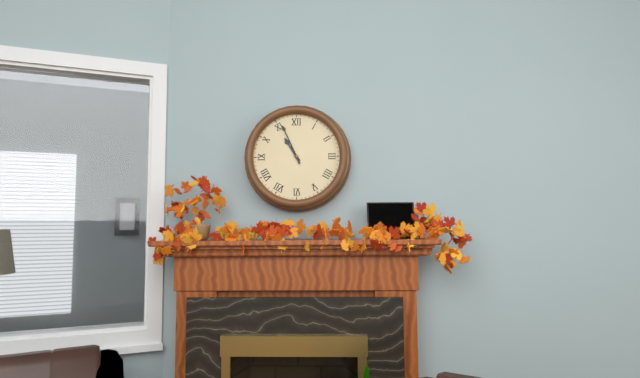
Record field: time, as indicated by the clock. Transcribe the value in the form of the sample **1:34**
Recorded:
**10:56**
